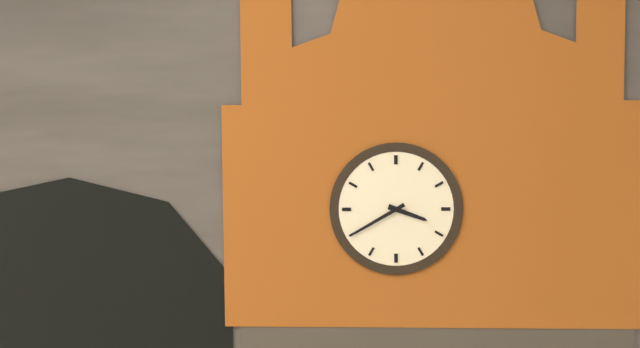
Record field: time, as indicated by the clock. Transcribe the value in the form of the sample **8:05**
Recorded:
**3:40**
